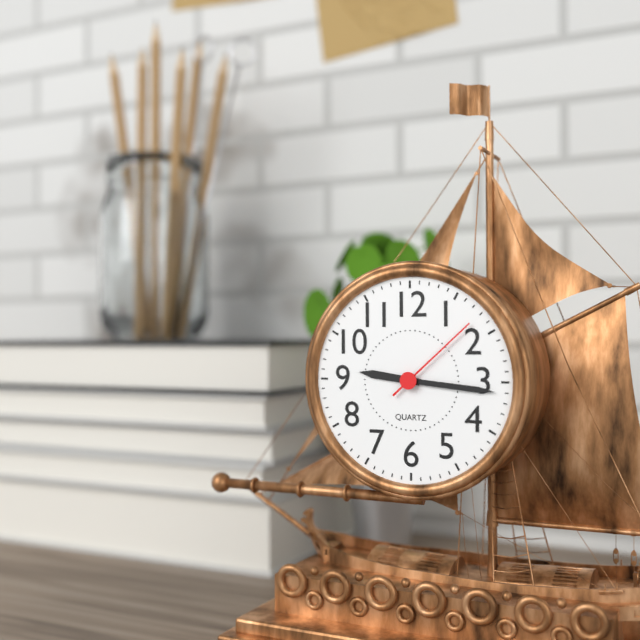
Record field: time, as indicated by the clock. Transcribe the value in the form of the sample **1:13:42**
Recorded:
**9:16:08**
